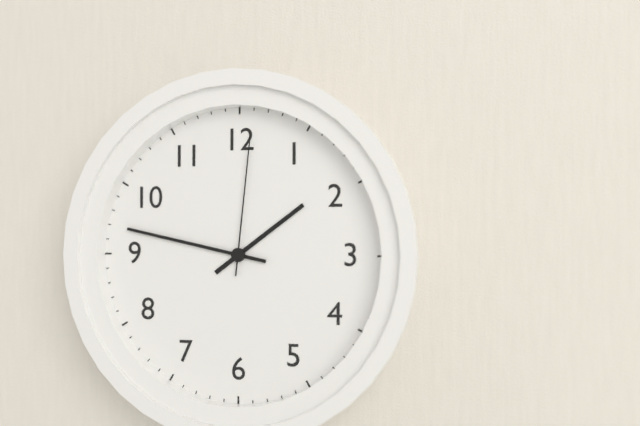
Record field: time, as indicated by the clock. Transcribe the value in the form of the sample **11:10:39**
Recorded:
**1:47:01**
